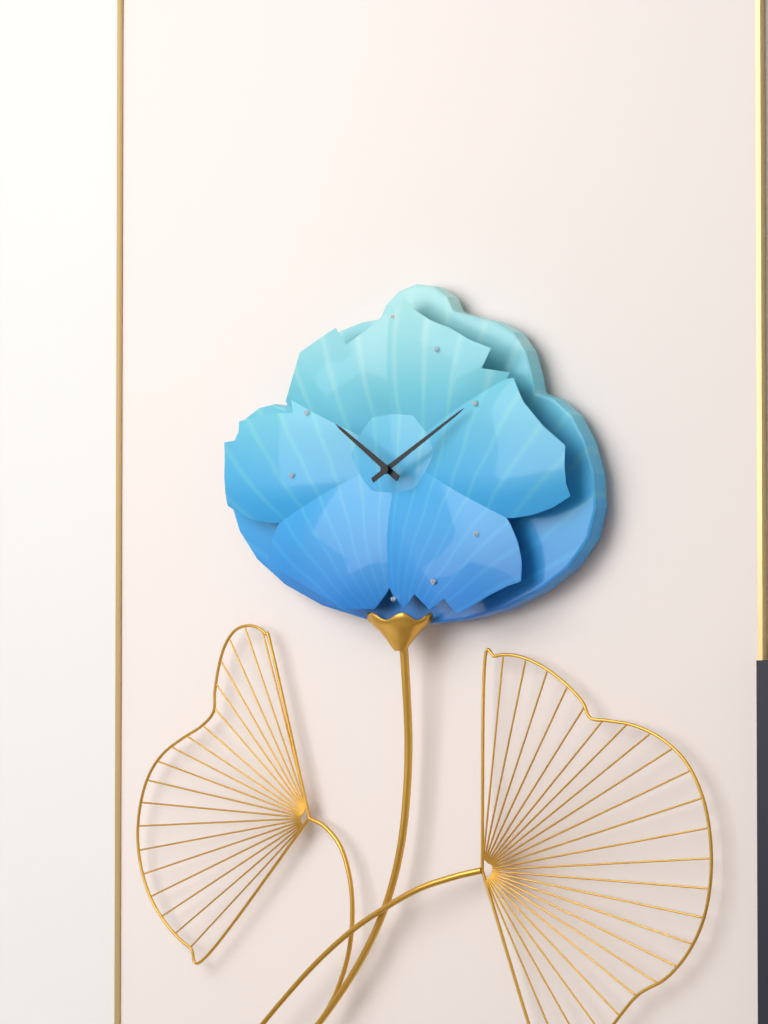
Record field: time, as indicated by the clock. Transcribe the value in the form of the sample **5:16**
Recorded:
**10:10**
